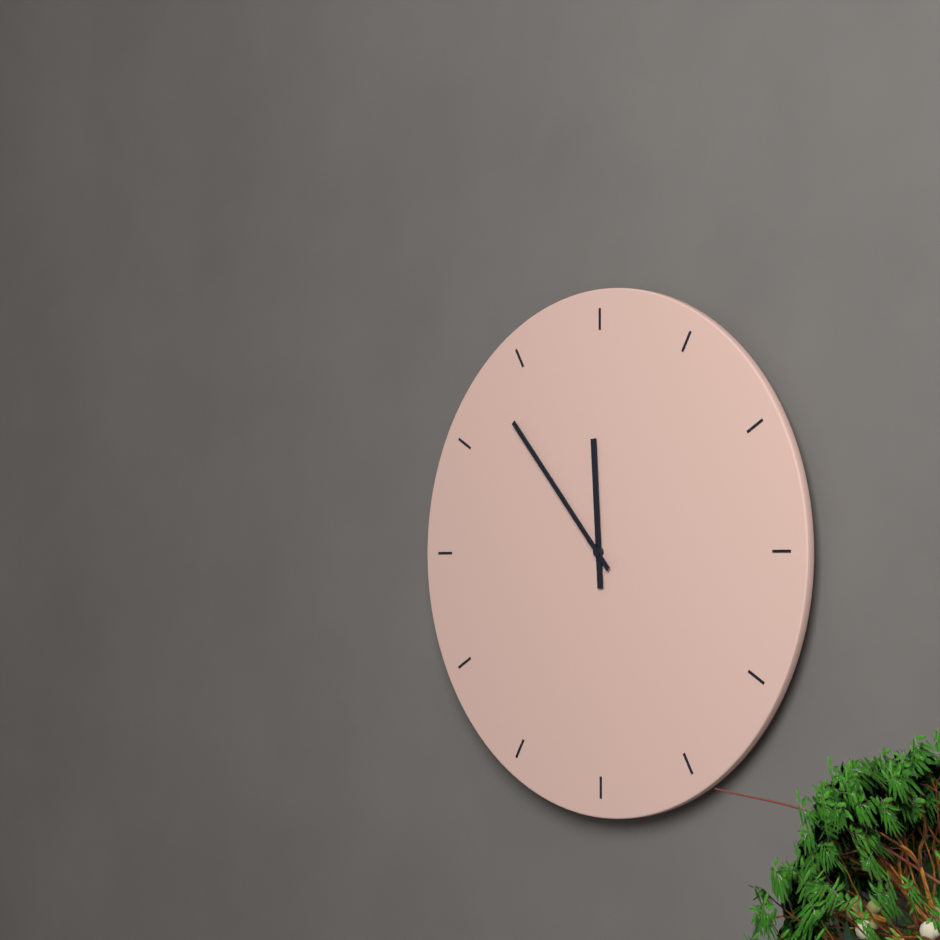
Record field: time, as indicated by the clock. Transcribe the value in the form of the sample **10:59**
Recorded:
**11:53**
